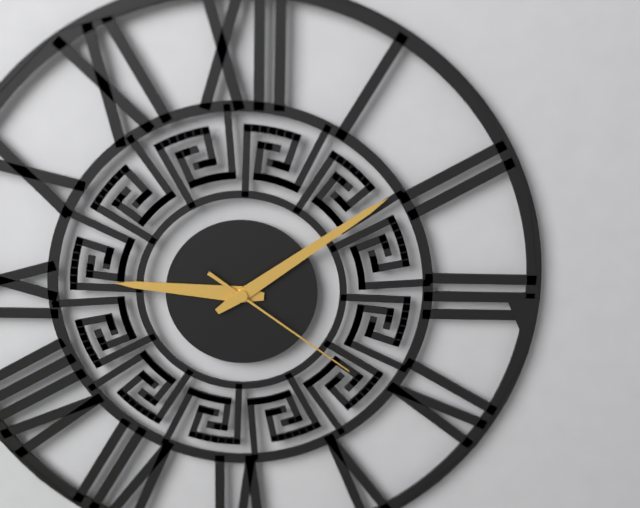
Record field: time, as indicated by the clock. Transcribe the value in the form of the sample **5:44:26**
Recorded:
**9:09:21**
